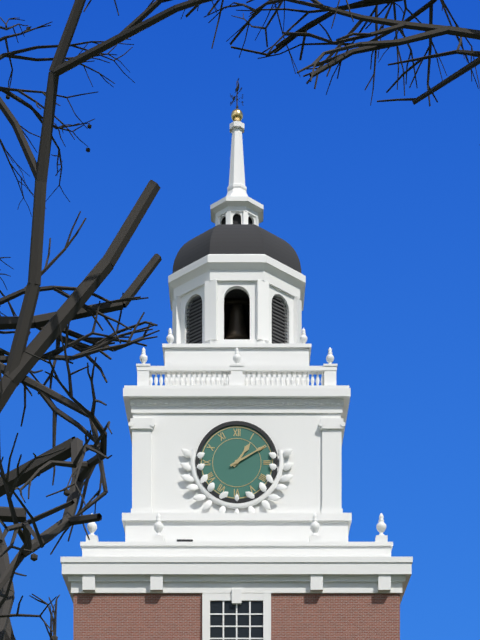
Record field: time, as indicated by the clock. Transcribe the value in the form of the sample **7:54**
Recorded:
**1:10**
